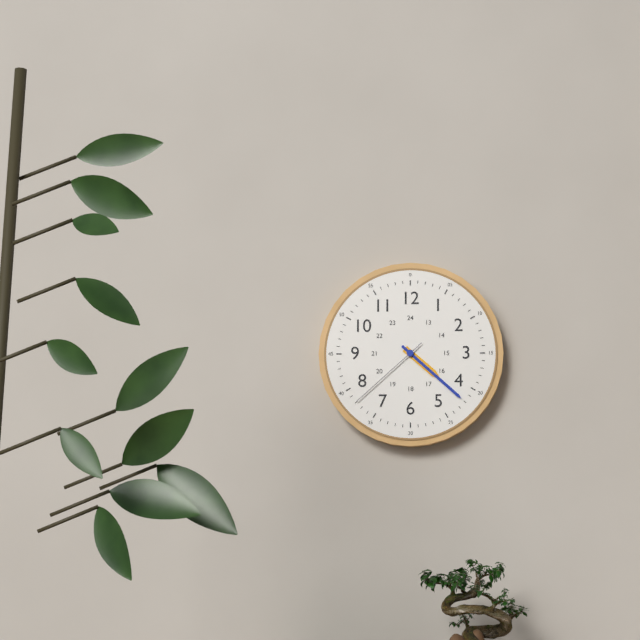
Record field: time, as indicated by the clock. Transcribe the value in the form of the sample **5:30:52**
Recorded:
**4:22:38**
